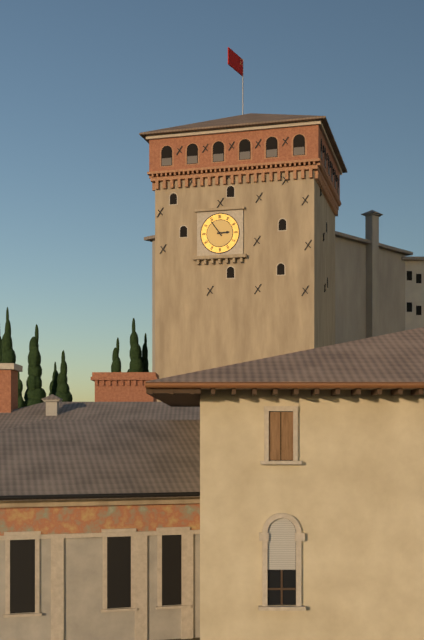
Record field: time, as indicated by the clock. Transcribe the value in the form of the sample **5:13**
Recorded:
**2:54**
